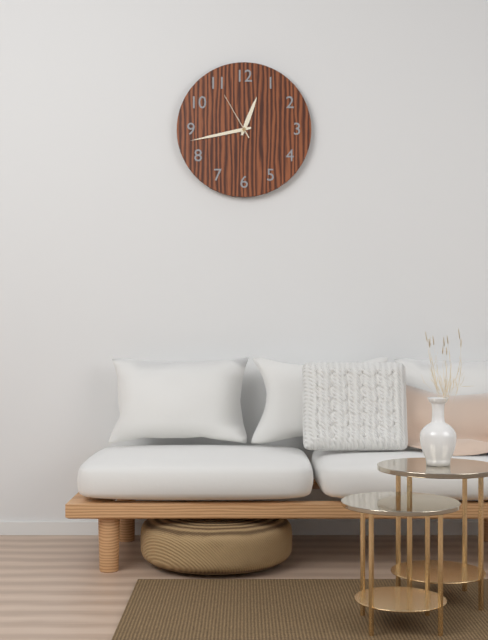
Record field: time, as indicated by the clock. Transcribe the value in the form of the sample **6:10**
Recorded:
**12:43**
